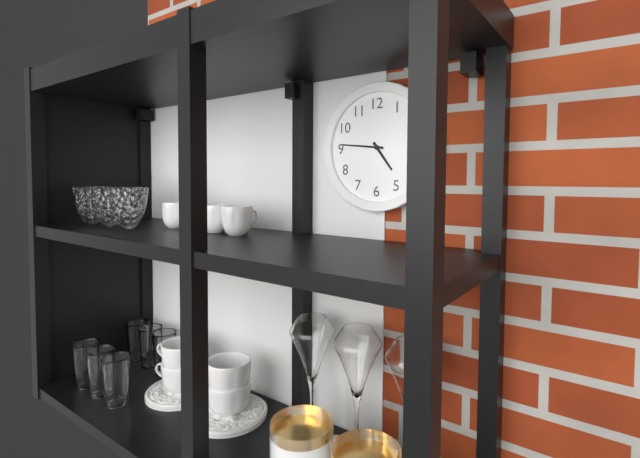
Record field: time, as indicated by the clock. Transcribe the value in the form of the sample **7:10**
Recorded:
**4:46**
